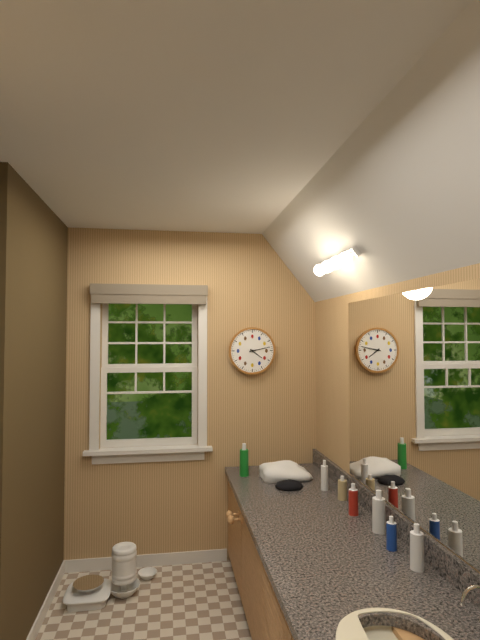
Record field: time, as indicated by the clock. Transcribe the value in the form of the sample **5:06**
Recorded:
**4:13**
